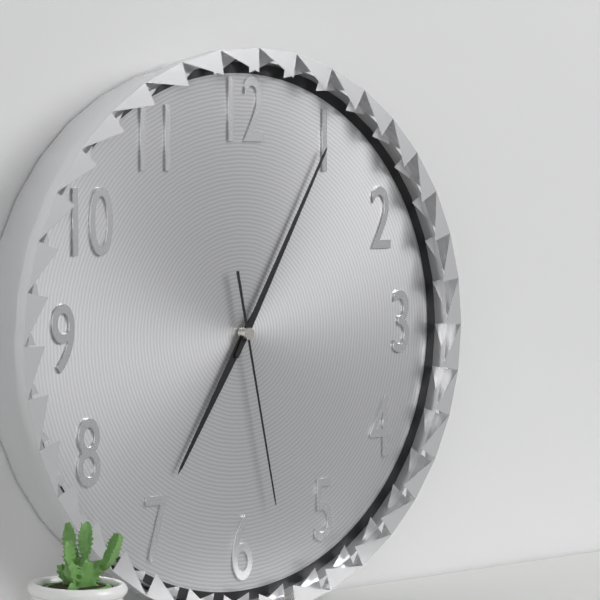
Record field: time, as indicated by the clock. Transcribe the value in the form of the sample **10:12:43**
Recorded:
**7:05:28**
